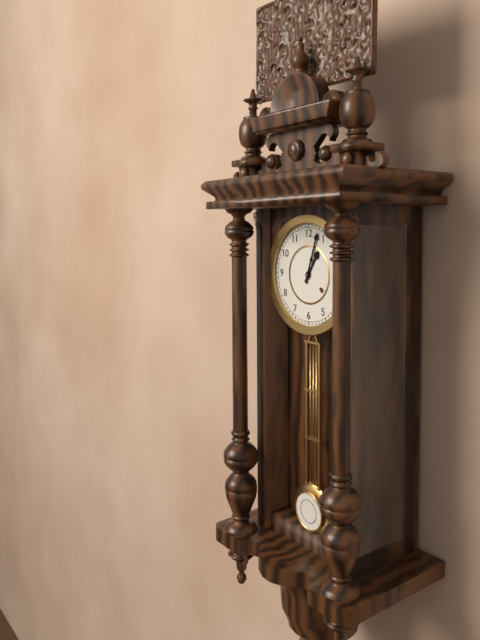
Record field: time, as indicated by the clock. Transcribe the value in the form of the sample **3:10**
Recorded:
**1:03**
